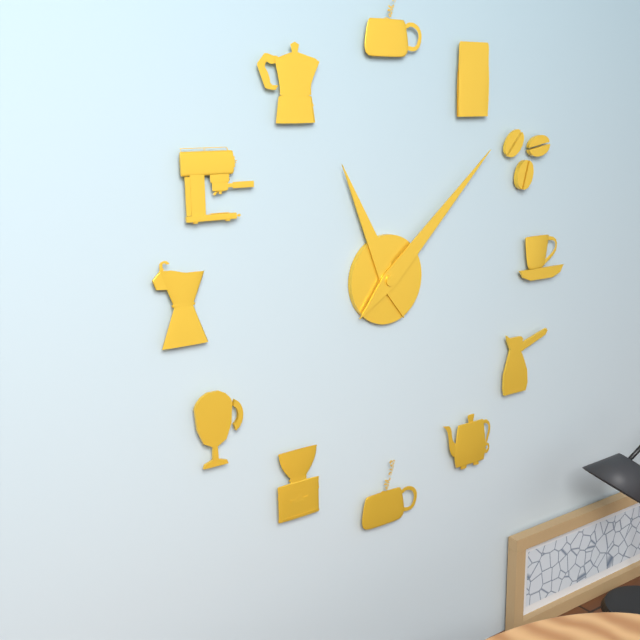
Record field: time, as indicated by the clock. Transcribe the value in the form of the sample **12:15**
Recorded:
**11:08**
